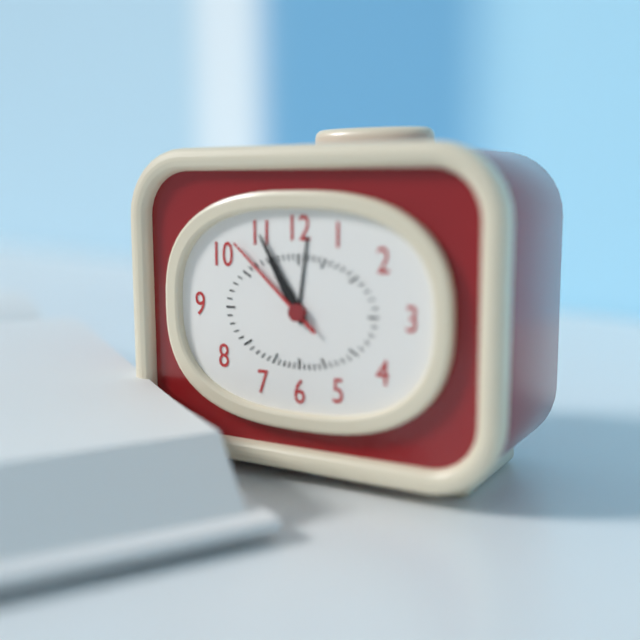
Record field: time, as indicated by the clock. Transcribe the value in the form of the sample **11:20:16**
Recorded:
**10:55:52**
